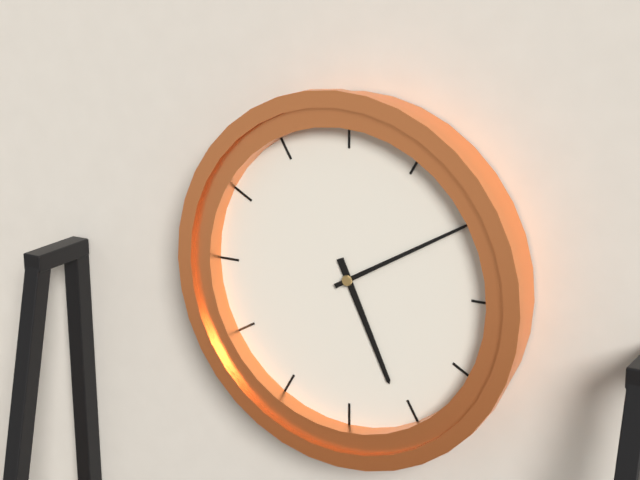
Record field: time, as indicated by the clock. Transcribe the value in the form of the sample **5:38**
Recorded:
**5:10**
